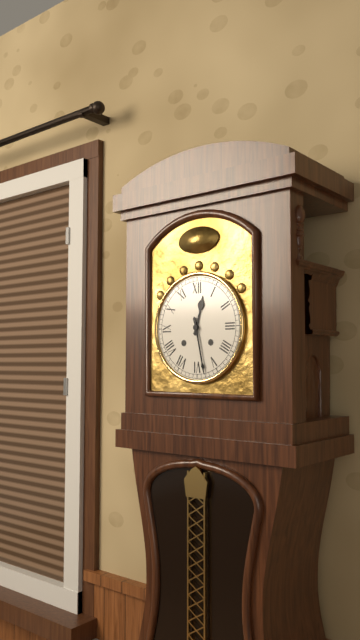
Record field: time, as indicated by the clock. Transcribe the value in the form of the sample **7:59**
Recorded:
**12:28**
